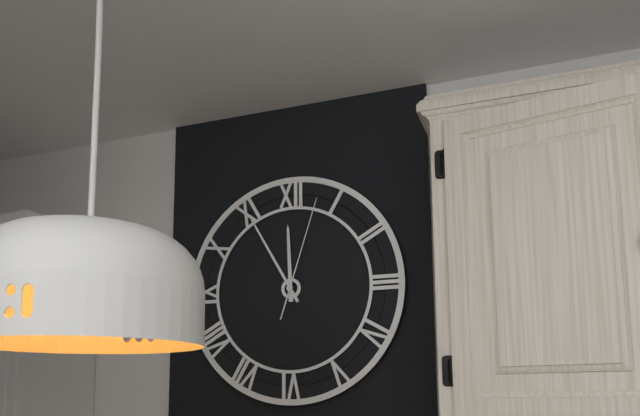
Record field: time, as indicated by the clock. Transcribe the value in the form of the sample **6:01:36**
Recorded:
**11:55:03**
